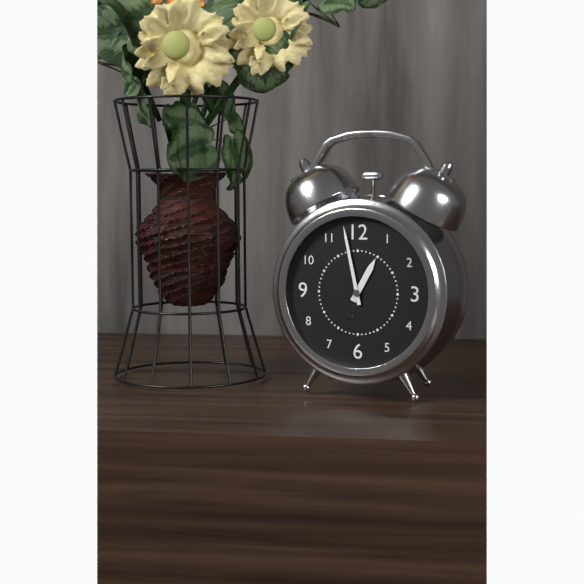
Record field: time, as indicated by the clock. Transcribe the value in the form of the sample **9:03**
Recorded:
**12:58**
